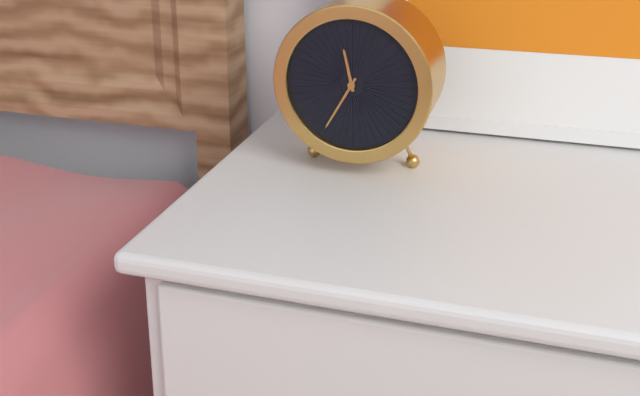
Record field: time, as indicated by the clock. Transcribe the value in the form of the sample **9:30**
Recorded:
**11:35**
